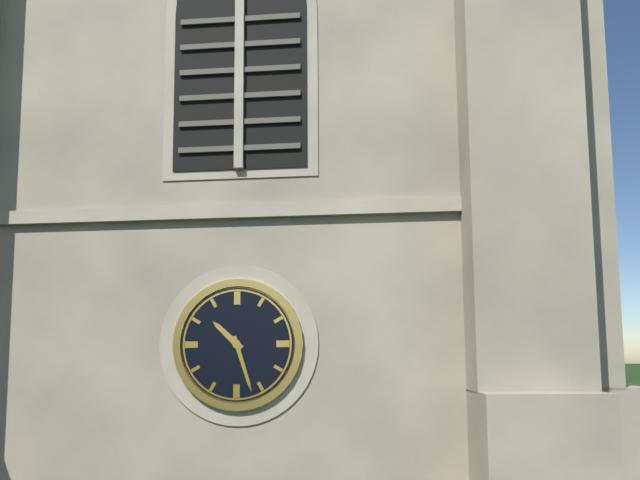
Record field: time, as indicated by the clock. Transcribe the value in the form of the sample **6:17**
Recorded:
**10:27**
